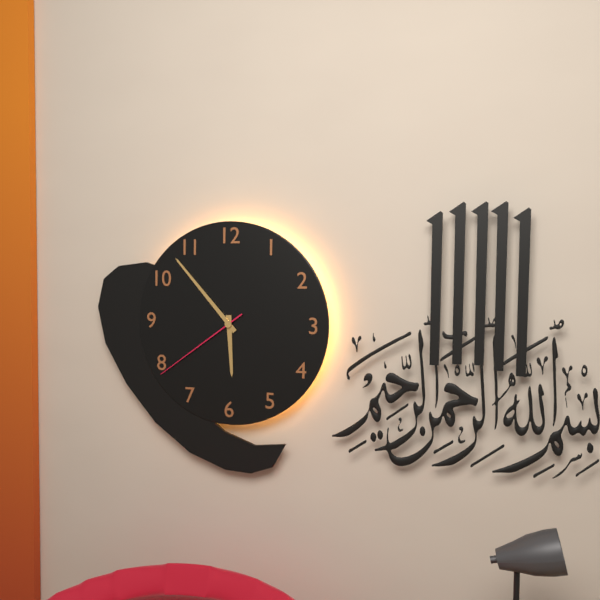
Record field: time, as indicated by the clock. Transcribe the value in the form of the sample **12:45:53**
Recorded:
**5:53:39**
